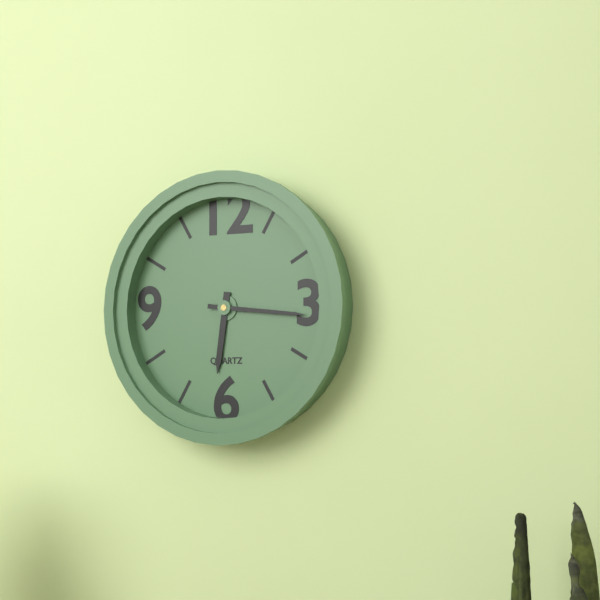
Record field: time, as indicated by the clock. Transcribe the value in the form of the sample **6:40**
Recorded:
**6:16**
